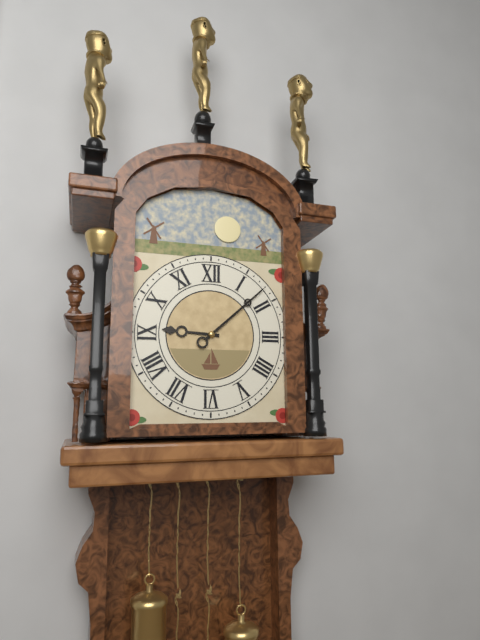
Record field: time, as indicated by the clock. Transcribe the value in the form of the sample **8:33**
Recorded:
**9:08**
